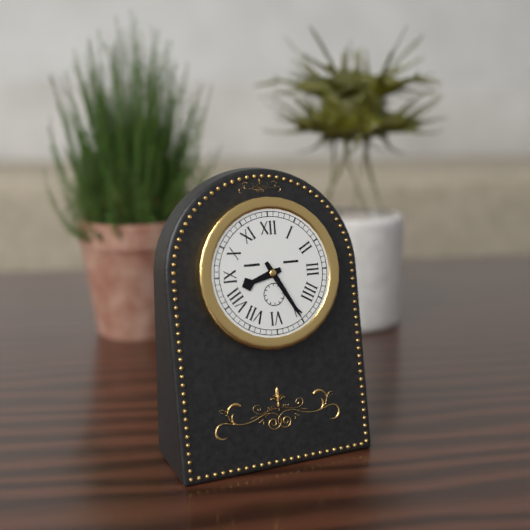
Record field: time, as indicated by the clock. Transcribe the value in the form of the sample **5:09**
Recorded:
**8:25**
